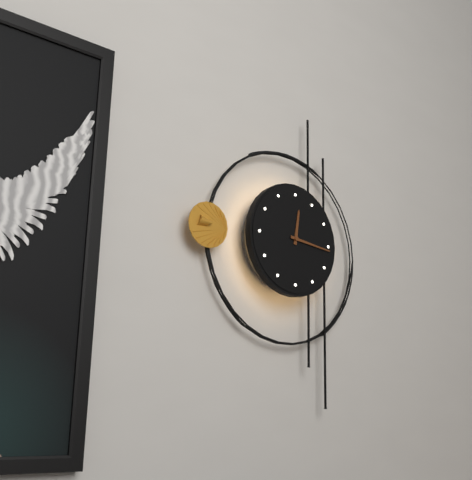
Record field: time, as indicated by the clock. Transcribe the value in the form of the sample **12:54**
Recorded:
**12:16**
